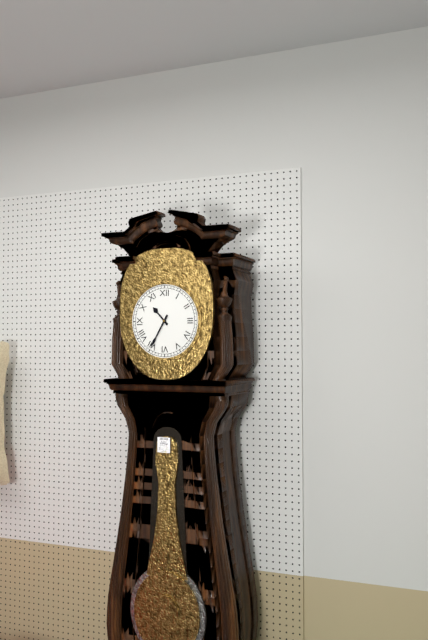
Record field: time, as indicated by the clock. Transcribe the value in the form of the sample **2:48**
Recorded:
**10:35**
